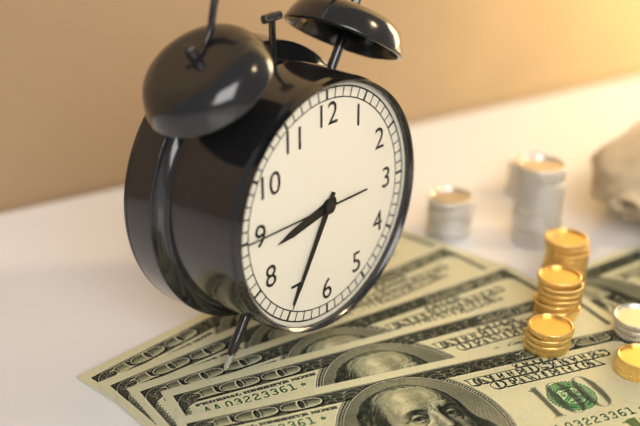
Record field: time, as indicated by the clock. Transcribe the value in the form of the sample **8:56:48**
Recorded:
**8:35:45**
